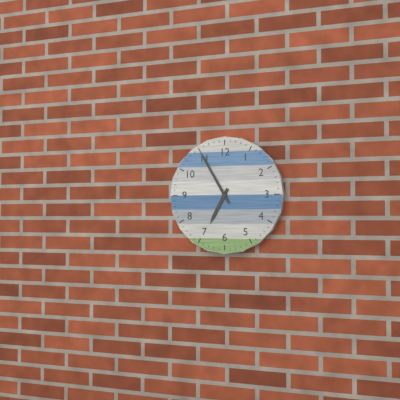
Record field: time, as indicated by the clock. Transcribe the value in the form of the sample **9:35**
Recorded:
**6:55**
